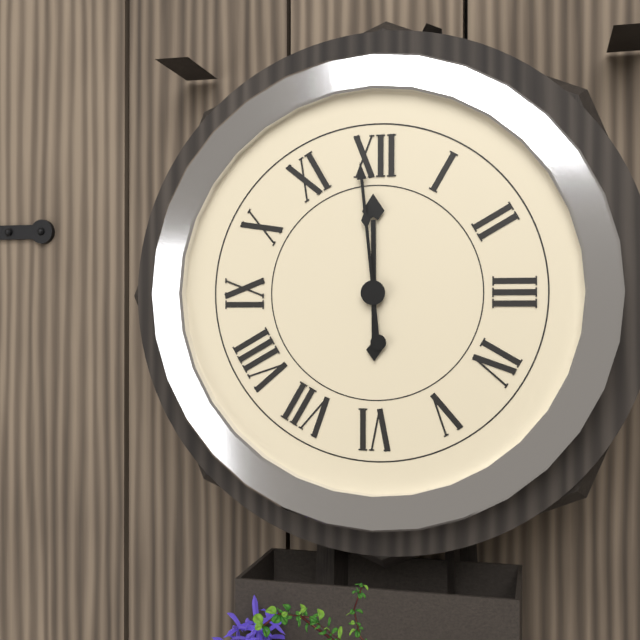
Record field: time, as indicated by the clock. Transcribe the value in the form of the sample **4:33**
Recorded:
**11:59**
